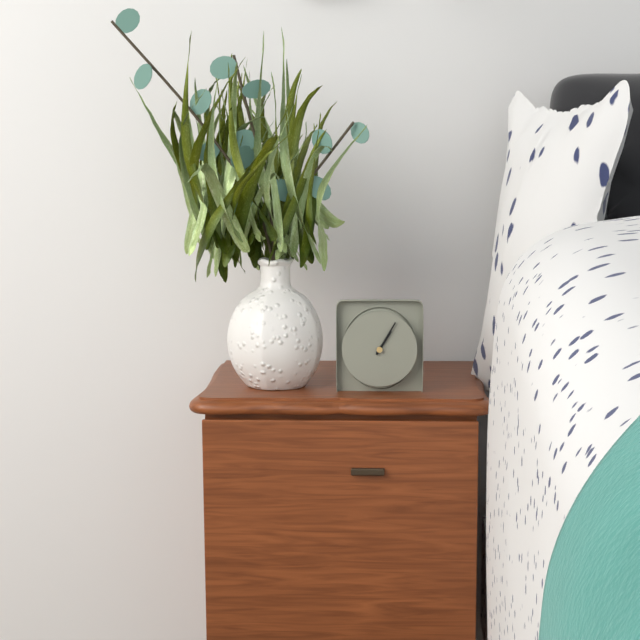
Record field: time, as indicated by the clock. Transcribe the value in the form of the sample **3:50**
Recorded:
**1:05**
